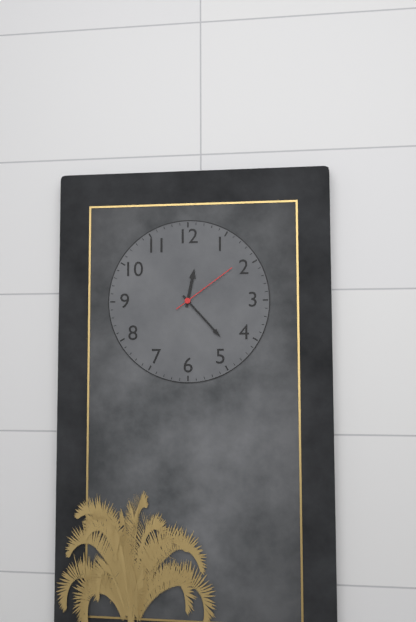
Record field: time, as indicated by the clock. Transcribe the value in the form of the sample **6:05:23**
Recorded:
**12:23:09**
